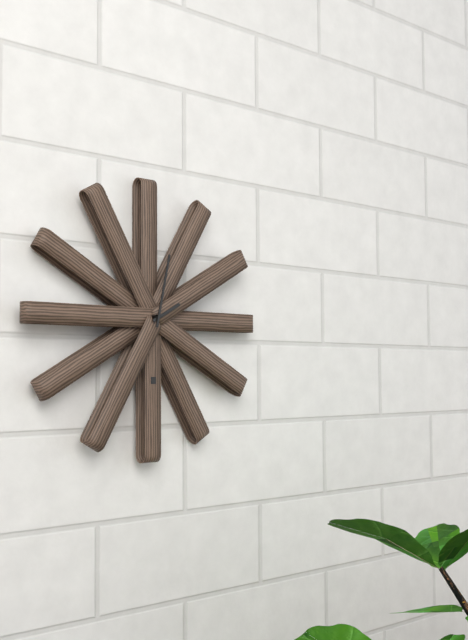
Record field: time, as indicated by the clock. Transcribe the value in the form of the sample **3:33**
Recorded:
**2:02**
